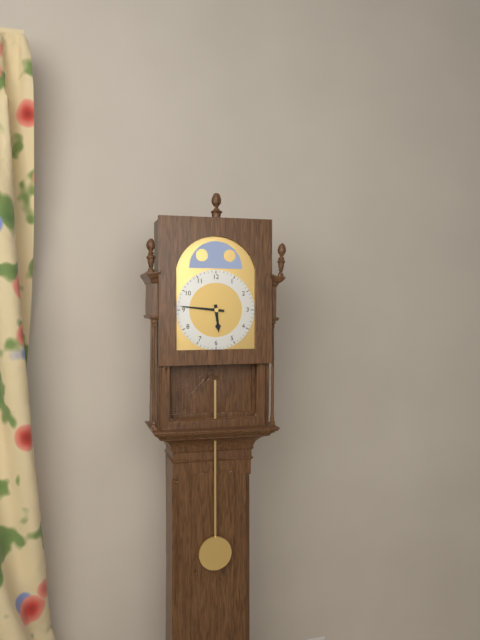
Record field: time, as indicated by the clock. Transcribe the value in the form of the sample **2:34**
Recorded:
**5:46**
